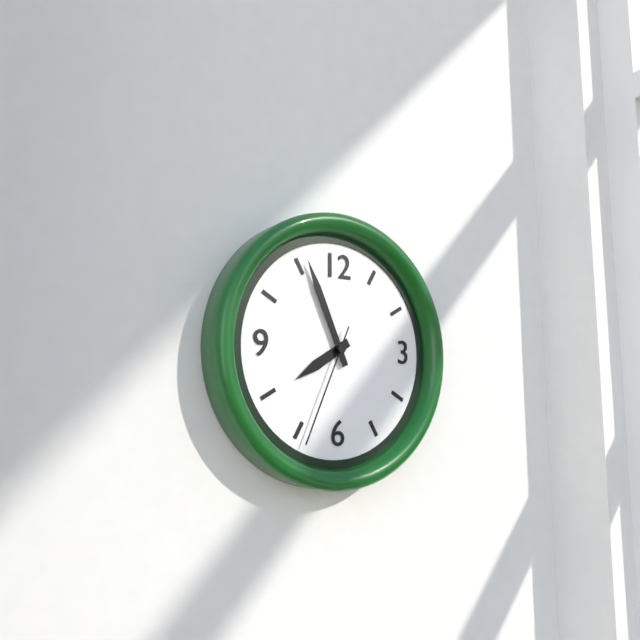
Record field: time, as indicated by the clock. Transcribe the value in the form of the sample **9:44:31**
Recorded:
**7:56:34**
